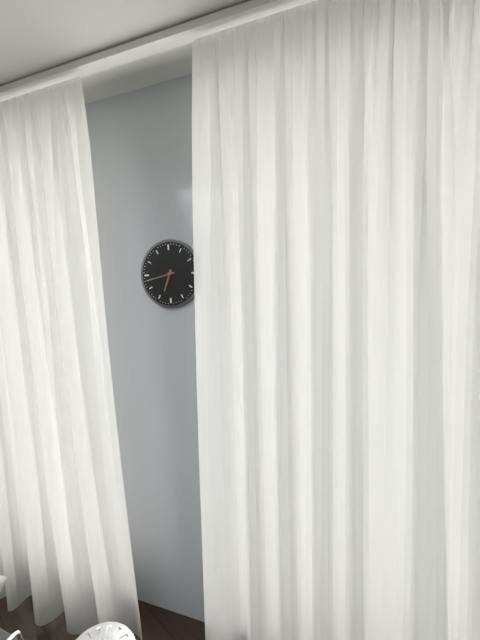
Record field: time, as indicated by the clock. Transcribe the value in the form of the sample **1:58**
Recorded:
**6:43**
